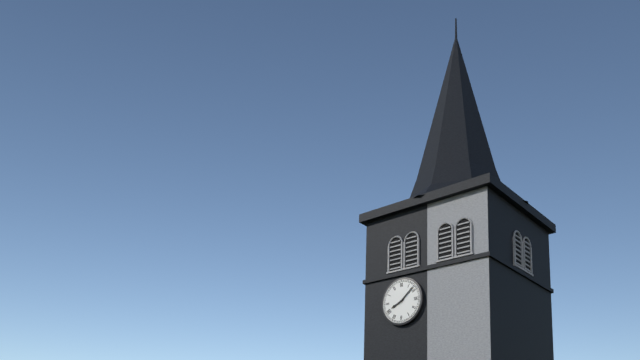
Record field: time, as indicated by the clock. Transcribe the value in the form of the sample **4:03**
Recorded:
**8:08**
